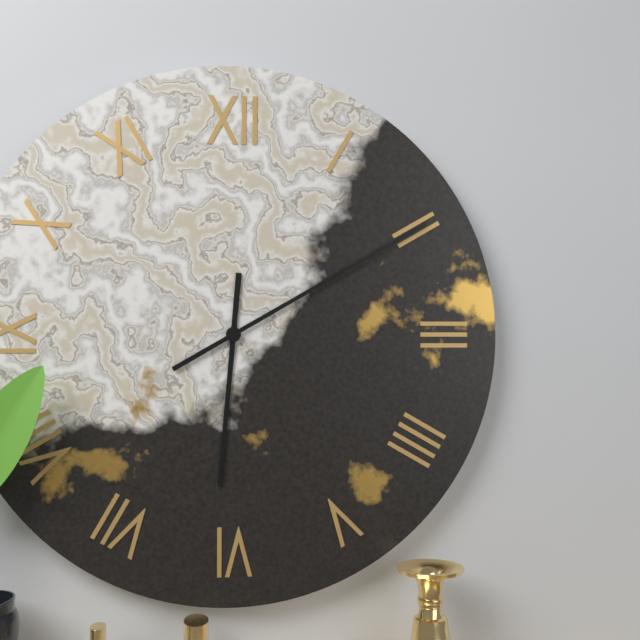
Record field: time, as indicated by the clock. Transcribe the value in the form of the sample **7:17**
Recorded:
**6:10**
